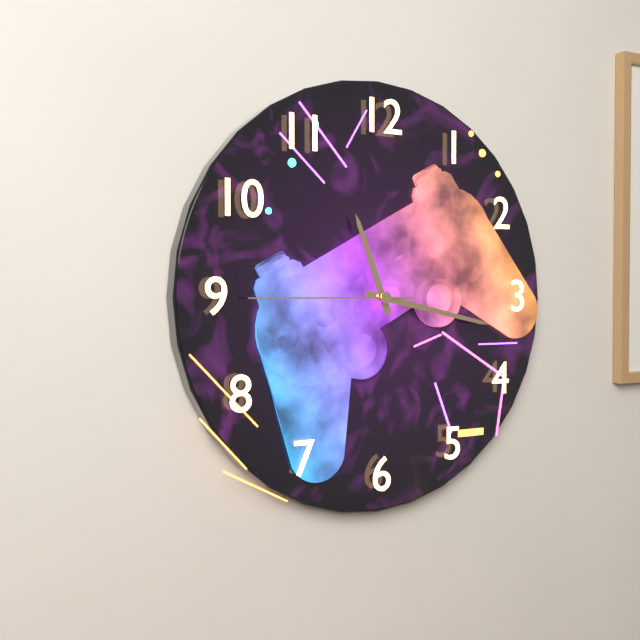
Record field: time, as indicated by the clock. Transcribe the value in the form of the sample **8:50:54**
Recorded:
**11:17:45**
